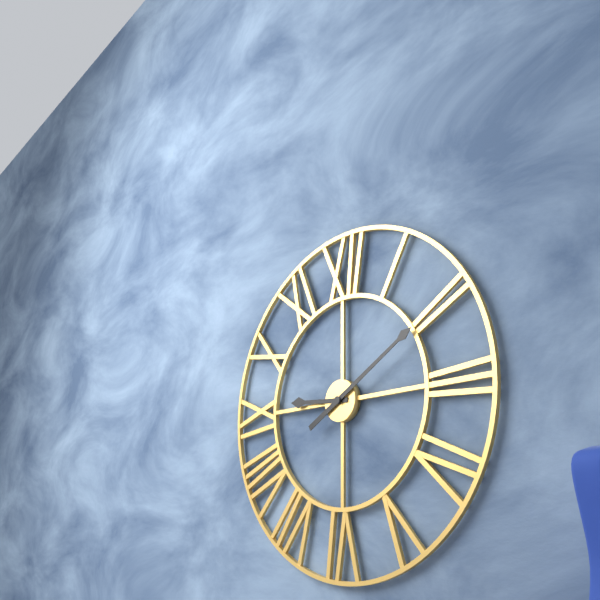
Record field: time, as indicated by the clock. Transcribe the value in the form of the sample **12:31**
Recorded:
**9:10**
